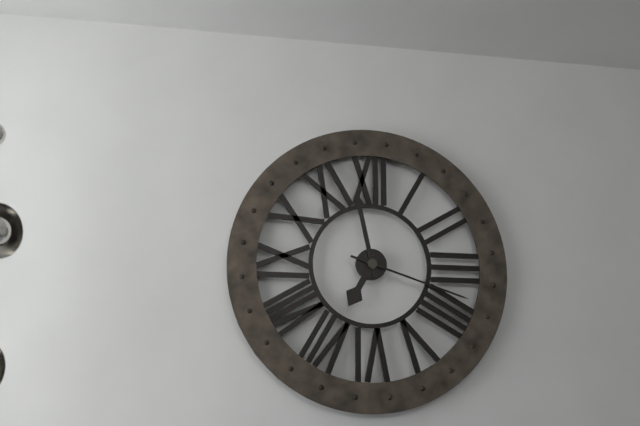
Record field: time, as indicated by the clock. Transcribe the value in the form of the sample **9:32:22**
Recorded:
**6:58:18**
